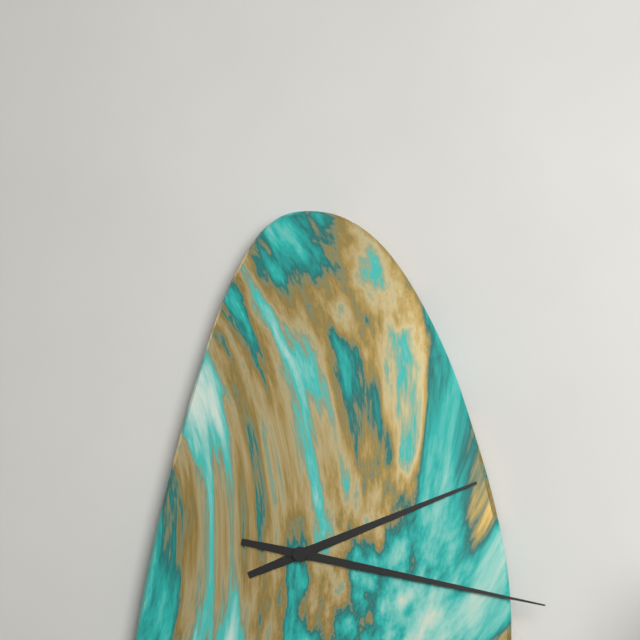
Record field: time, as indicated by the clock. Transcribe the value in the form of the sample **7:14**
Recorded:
**2:17**
